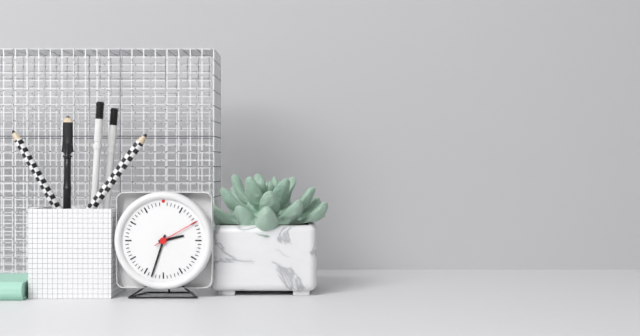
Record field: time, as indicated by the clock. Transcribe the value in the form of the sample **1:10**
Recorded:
**2:33**
